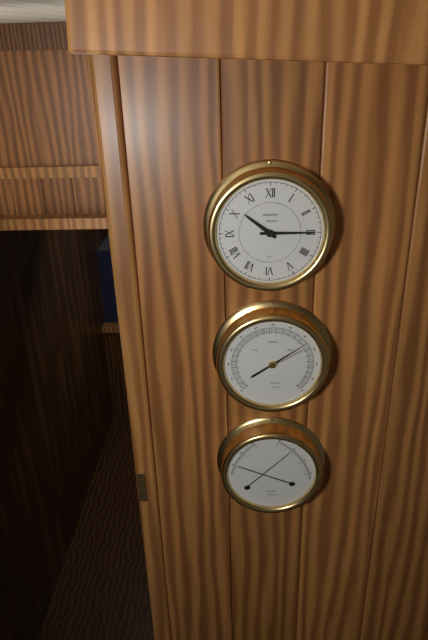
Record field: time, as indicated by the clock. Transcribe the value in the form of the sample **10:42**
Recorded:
**10:15**
